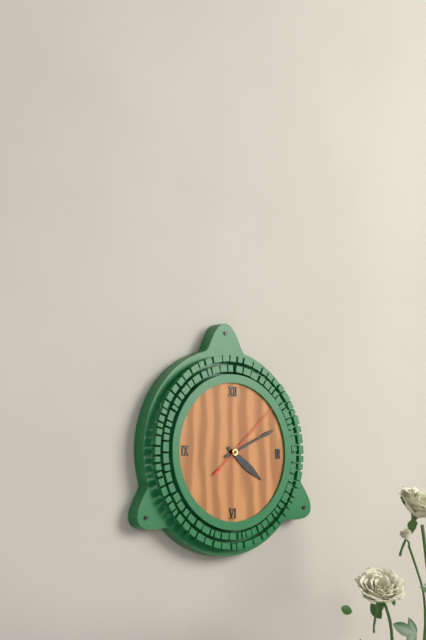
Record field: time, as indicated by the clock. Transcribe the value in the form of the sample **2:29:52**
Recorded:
**4:11:08**
